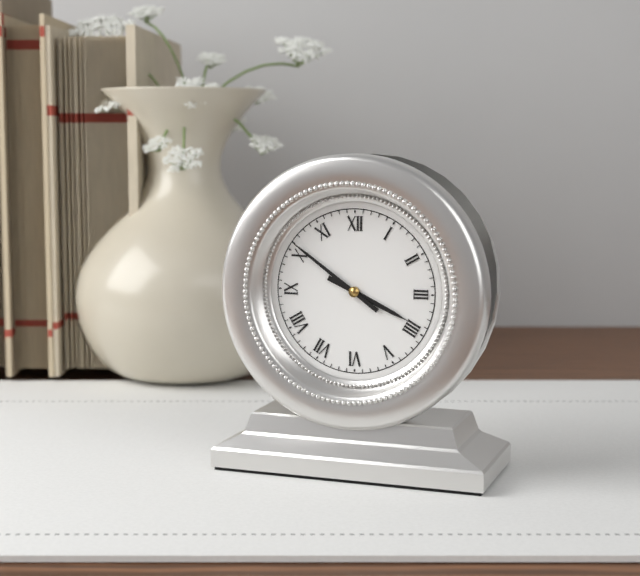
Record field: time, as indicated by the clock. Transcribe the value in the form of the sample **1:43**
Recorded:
**3:51**
